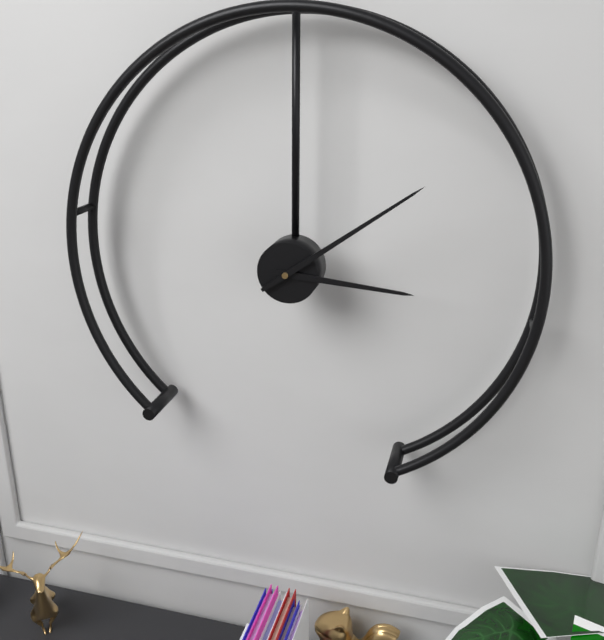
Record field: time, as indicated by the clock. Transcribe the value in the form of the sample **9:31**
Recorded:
**3:09**
